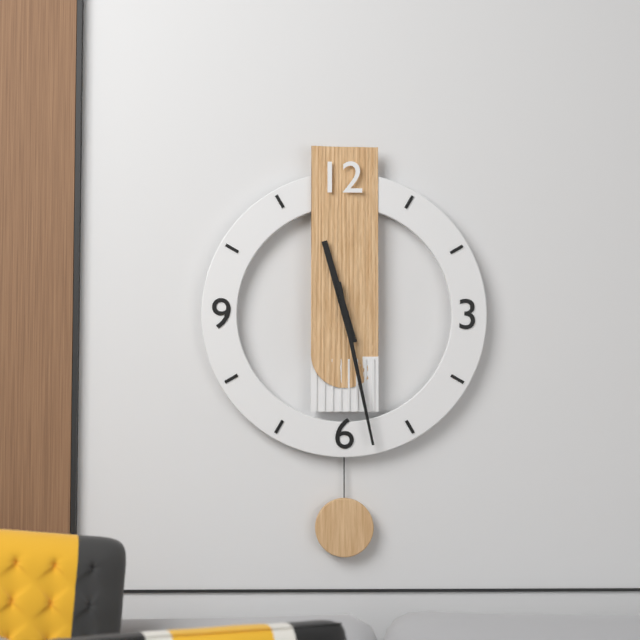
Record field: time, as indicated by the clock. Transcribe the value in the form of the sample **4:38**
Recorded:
**11:28**
